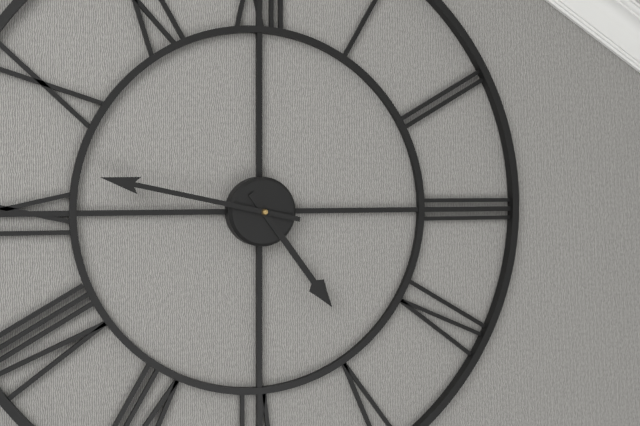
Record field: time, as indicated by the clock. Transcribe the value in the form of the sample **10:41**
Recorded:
**4:47**
